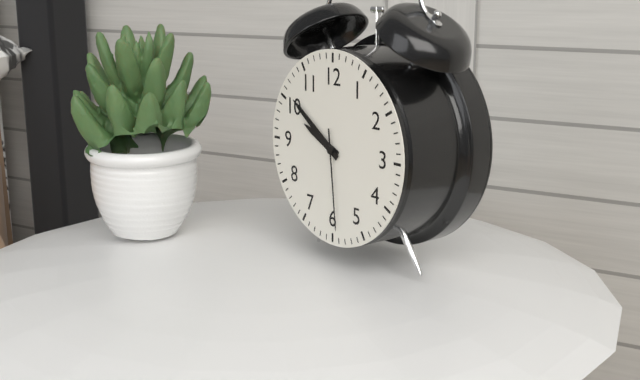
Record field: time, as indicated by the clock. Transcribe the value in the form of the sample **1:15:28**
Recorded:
**9:51:29**
